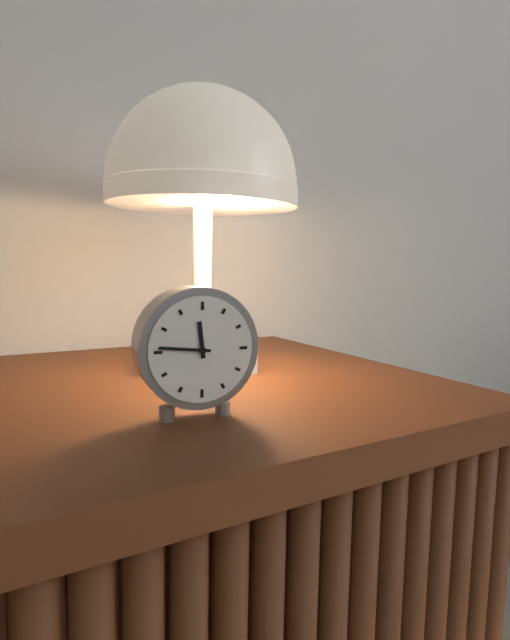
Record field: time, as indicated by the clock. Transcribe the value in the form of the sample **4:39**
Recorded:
**11:46**
